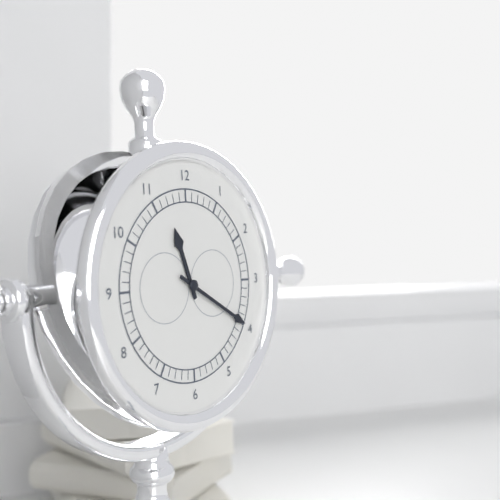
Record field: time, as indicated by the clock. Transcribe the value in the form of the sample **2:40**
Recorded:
**11:20**
